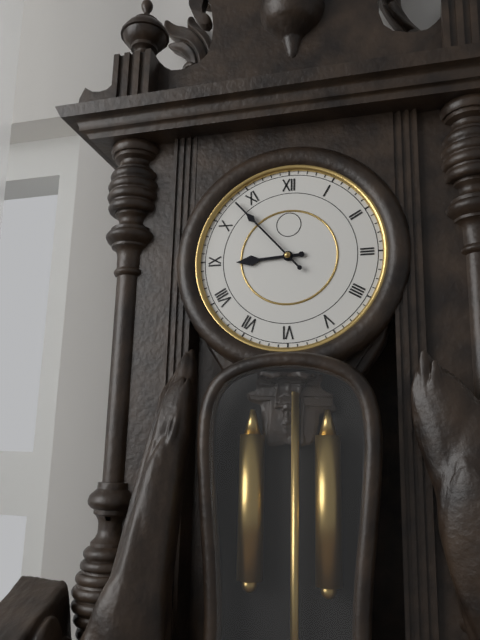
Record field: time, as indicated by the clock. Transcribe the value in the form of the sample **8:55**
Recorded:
**8:53**
